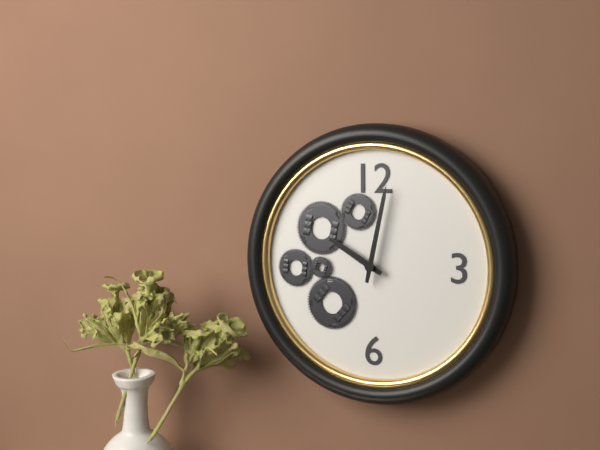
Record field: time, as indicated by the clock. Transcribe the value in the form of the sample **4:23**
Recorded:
**10:02**
